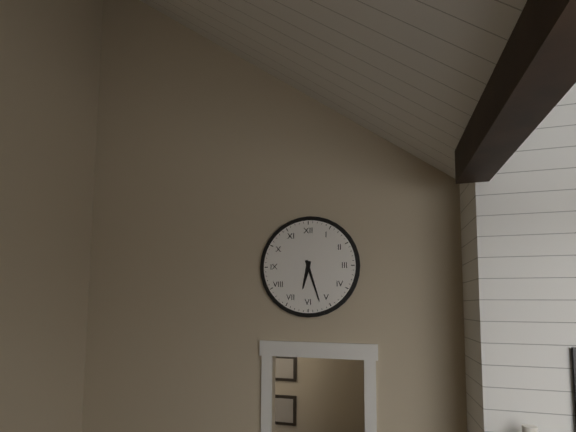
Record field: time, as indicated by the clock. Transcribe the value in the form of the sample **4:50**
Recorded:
**6:27**
